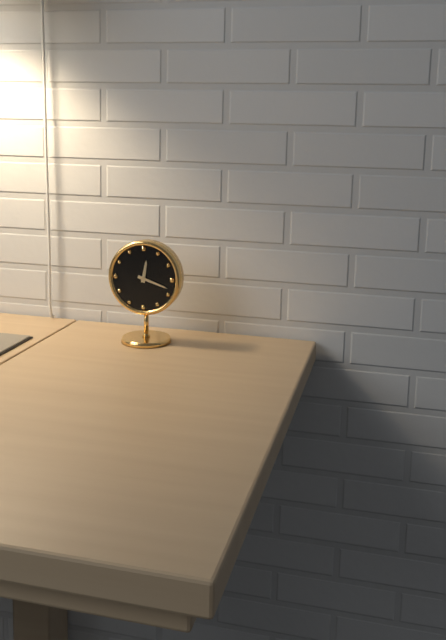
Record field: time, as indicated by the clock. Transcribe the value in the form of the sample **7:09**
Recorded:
**12:18**
